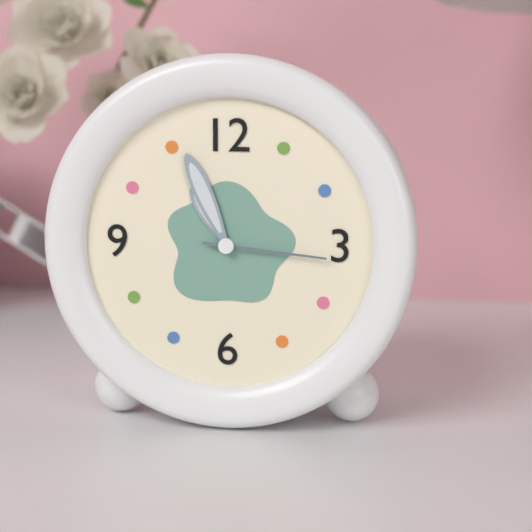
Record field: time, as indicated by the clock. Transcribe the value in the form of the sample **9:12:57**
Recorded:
**10:56:16**
